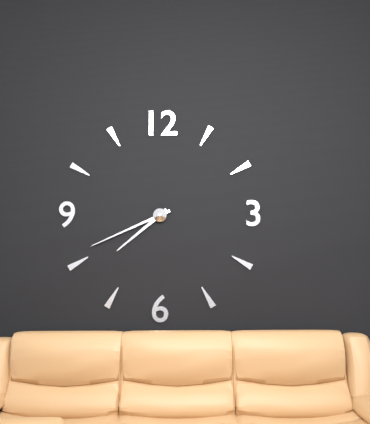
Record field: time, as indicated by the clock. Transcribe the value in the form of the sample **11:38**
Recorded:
**7:41**
